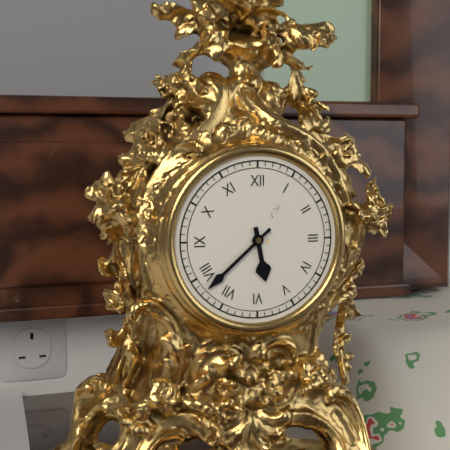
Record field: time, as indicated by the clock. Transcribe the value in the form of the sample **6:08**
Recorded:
**5:38**
